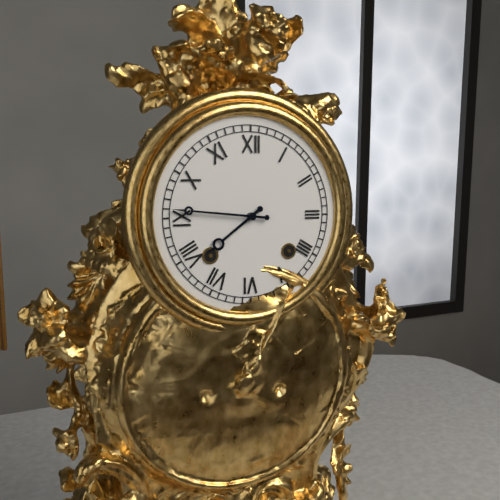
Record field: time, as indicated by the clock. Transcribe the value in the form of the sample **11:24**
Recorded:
**7:46**
